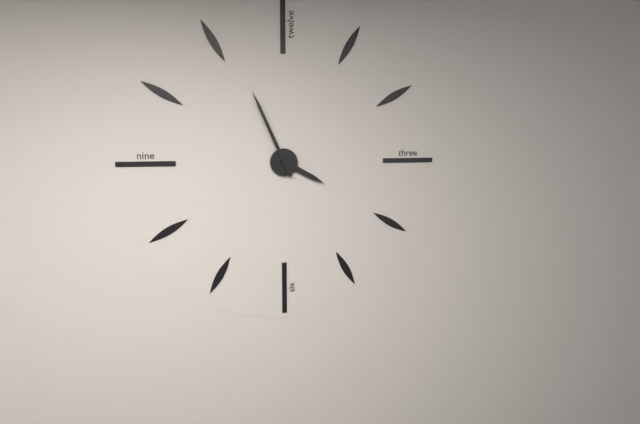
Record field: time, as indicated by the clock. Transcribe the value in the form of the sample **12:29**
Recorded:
**3:56**
